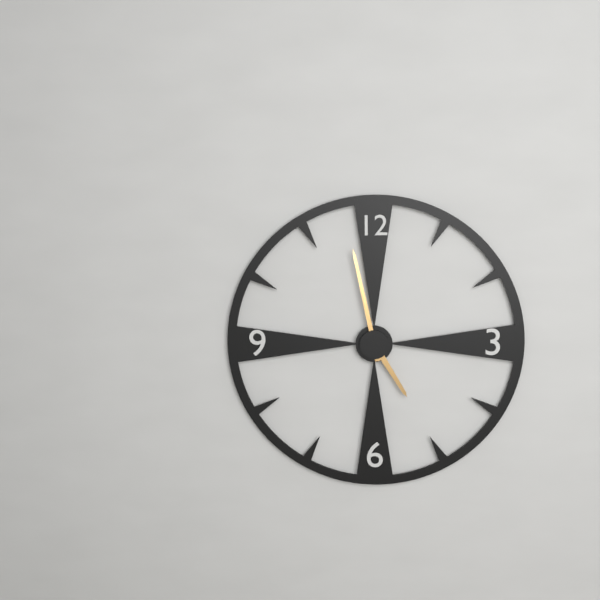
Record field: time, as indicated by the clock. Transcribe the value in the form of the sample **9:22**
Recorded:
**4:58**
